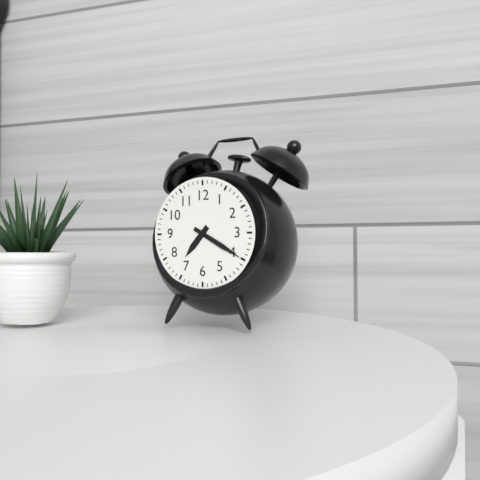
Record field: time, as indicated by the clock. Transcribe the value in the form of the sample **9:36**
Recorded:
**7:20**
